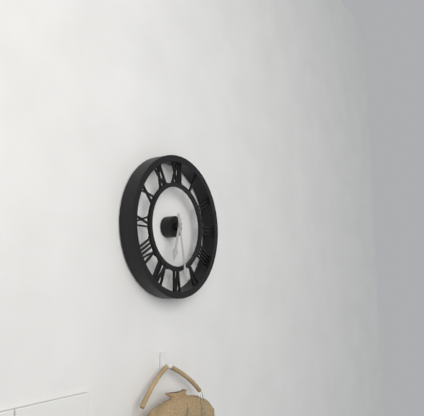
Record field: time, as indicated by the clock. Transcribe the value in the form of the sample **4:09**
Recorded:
**6:28**
